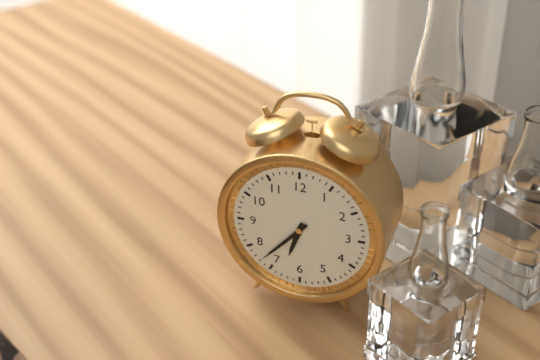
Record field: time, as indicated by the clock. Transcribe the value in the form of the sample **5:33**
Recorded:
**6:37**
